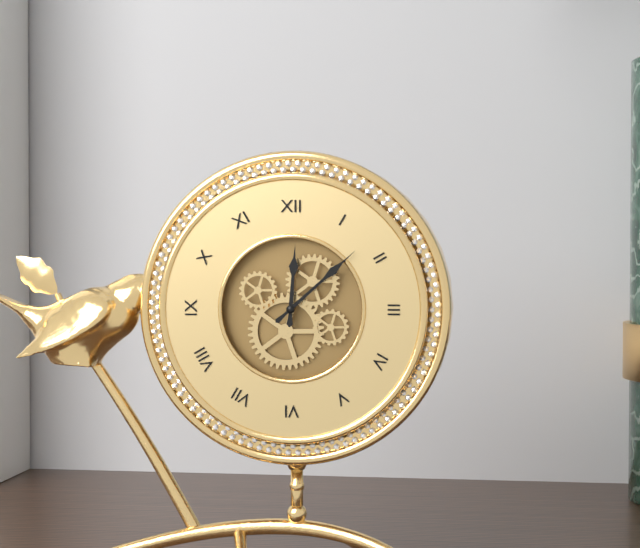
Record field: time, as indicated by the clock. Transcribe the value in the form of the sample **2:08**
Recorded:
**12:08**
